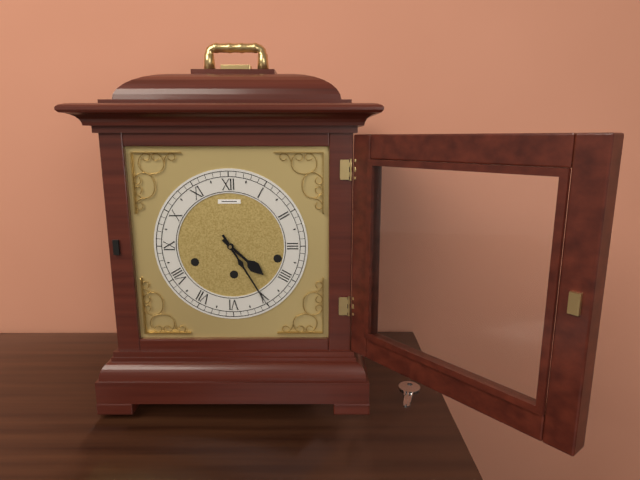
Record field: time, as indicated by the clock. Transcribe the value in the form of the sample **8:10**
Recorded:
**4:25**
